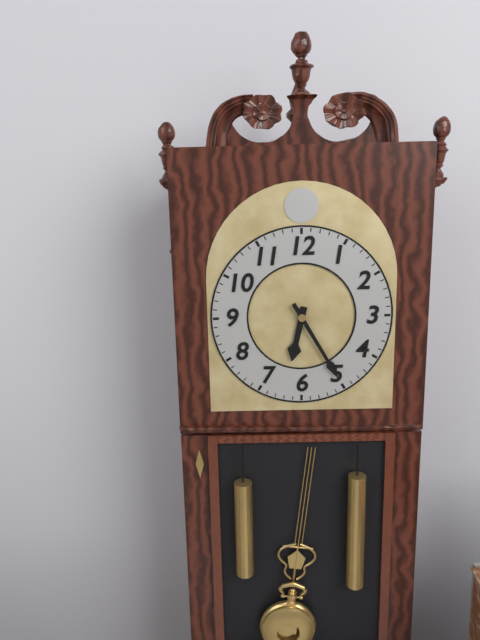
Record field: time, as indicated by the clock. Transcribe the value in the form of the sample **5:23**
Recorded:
**6:25**
